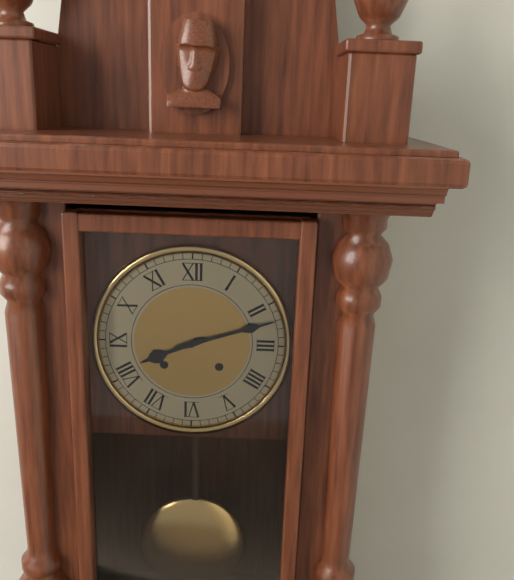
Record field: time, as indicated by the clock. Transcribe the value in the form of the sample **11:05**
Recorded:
**8:12**
